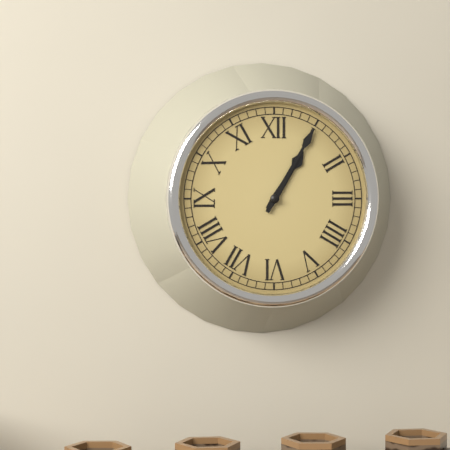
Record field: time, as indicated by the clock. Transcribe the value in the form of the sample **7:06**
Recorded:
**1:05**
